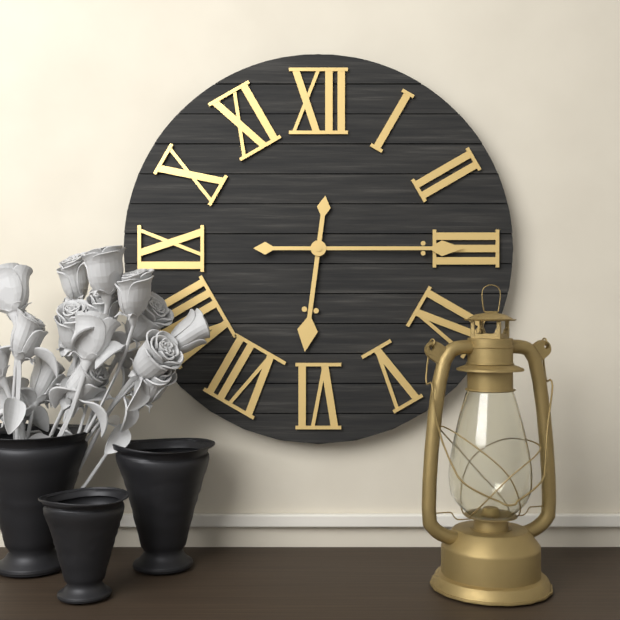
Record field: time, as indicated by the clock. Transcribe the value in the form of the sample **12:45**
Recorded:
**6:15**
